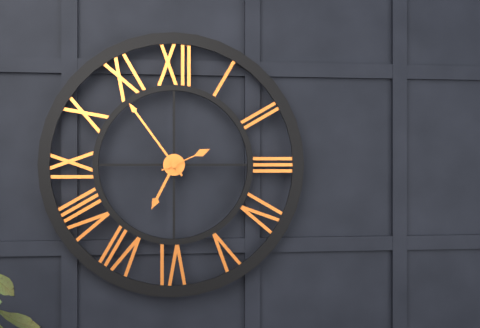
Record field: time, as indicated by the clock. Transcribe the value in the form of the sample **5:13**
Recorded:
**6:54**
